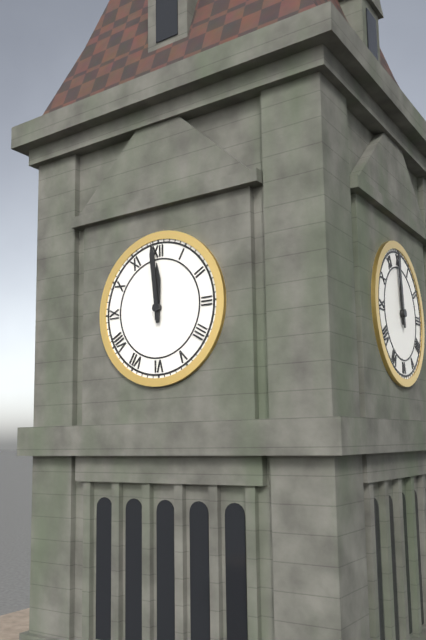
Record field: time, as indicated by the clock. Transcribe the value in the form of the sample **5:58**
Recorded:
**11:59**
